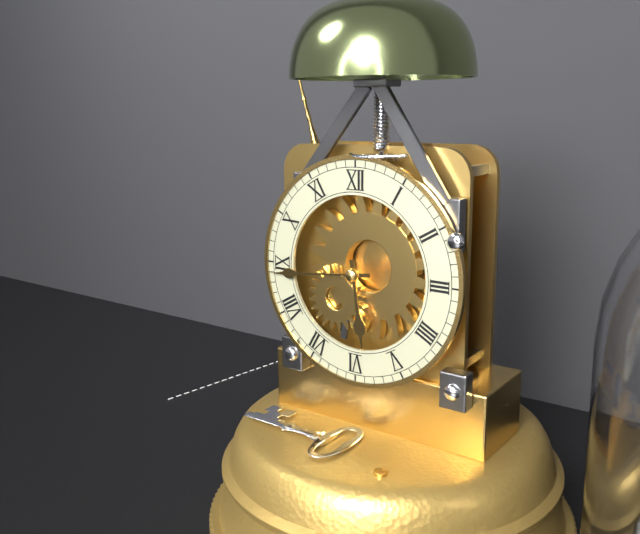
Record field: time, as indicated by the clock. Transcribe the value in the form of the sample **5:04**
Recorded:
**5:44**
